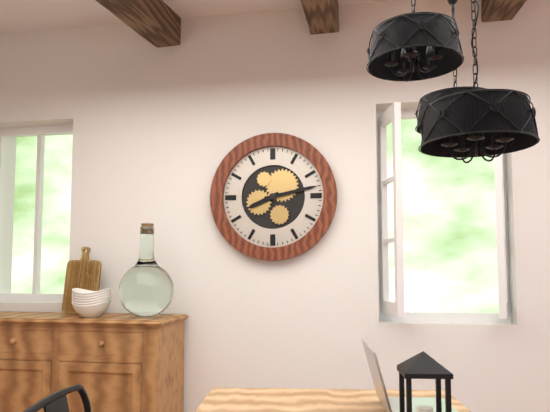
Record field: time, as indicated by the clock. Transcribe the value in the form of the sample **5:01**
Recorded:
**8:13**
